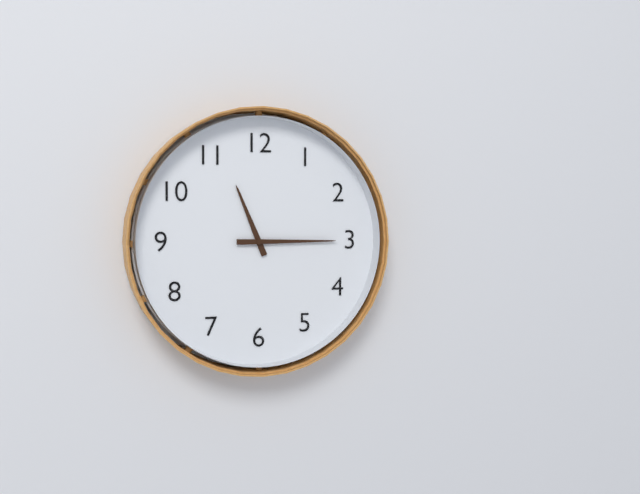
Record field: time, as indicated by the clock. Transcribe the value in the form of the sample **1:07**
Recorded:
**11:15**
